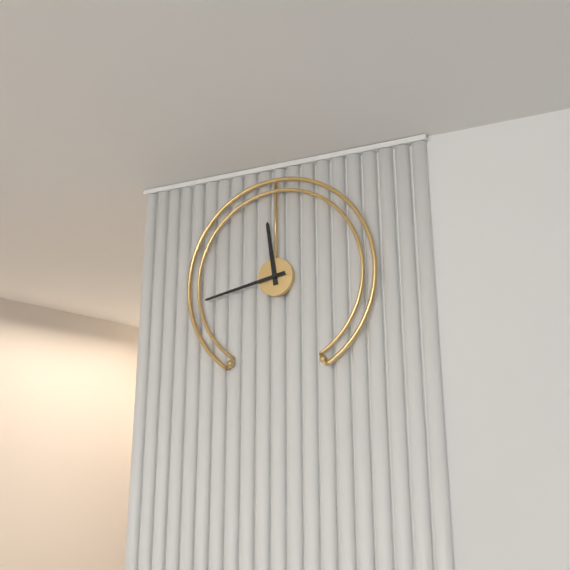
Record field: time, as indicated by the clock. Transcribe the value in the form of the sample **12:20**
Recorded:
**11:43**
